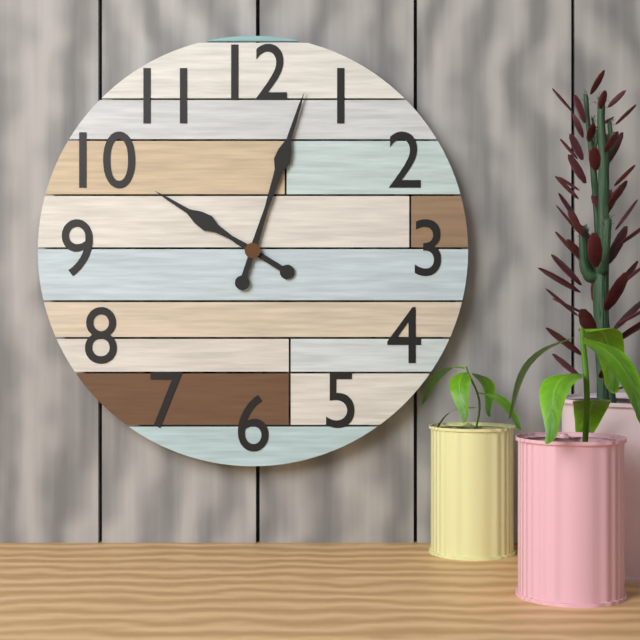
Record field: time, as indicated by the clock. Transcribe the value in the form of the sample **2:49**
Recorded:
**10:03**
